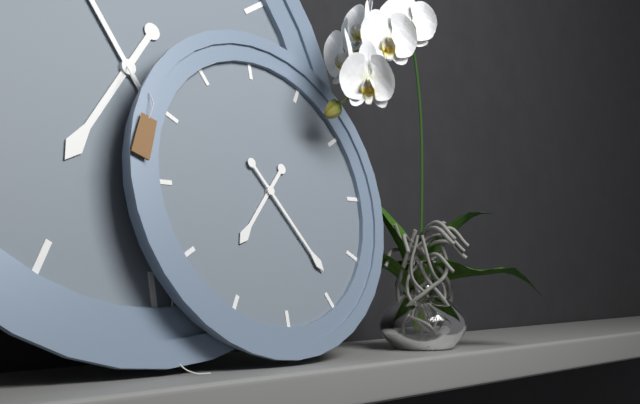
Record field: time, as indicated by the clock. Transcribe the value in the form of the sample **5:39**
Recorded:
**7:24**
